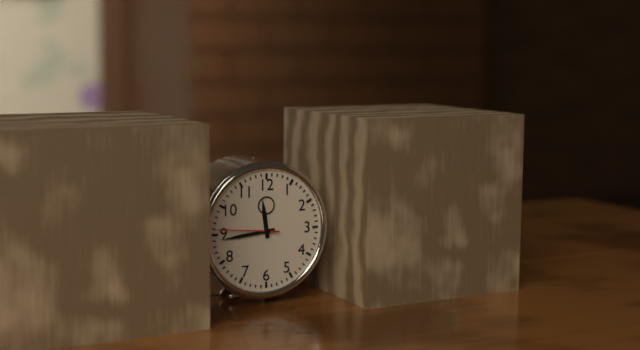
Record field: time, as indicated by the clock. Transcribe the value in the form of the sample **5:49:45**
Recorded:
**11:44:46**
